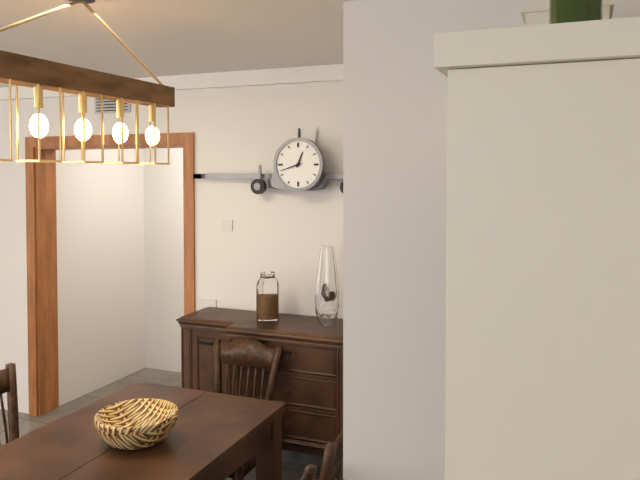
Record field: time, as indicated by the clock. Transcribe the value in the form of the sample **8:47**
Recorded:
**12:42**
